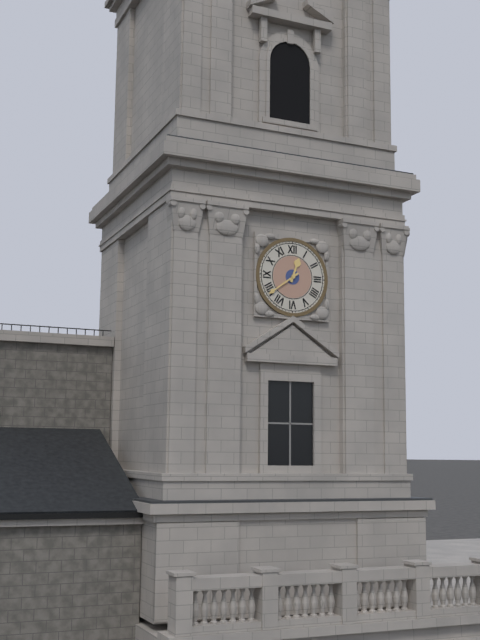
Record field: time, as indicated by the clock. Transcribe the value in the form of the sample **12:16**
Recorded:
**12:39**
